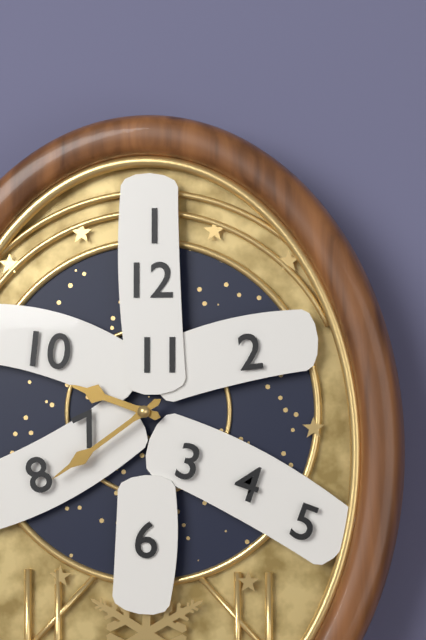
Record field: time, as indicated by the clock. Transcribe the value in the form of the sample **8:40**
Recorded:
**9:39**
